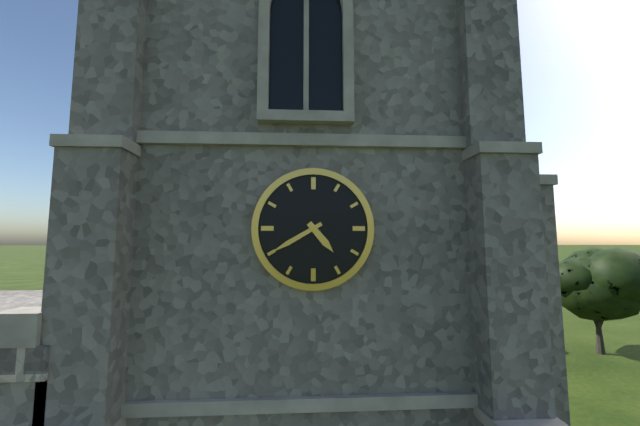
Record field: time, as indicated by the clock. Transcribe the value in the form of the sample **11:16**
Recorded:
**4:40**
